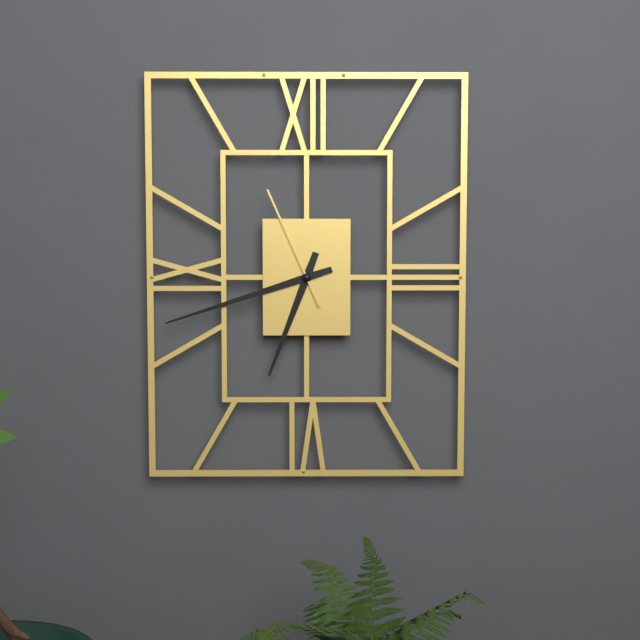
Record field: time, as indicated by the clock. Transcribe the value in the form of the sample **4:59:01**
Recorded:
**6:42:56**
